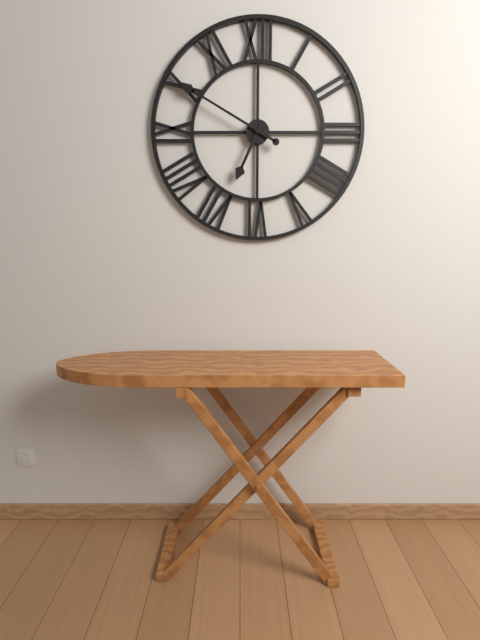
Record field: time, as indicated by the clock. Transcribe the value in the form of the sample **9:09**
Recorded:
**6:50**
